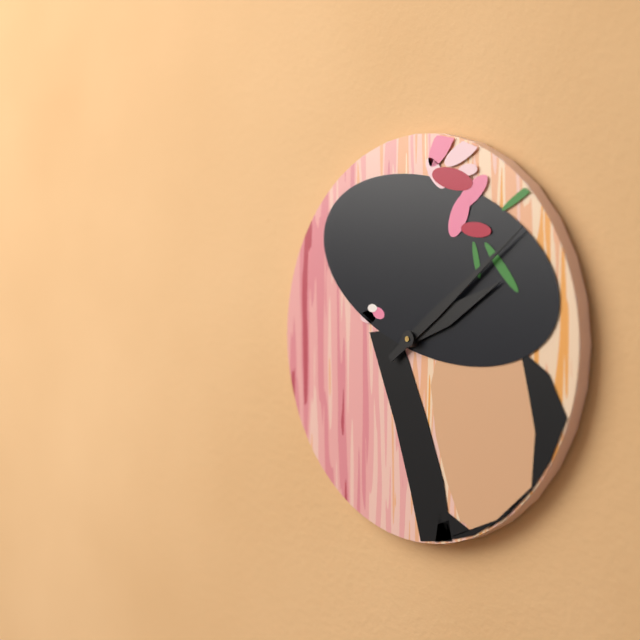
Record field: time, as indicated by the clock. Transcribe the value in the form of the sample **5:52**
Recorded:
**2:09**
